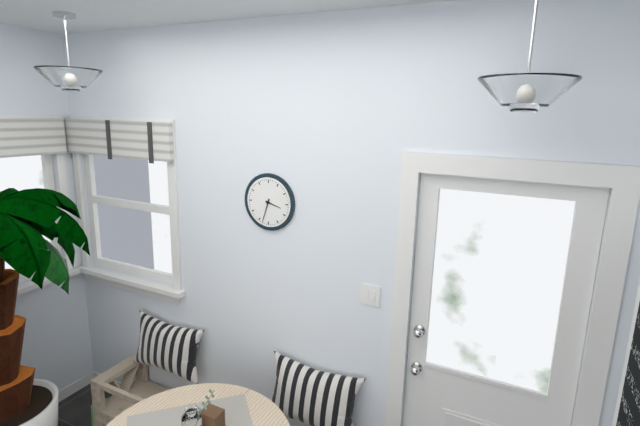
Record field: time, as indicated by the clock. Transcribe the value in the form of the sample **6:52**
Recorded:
**3:33**
